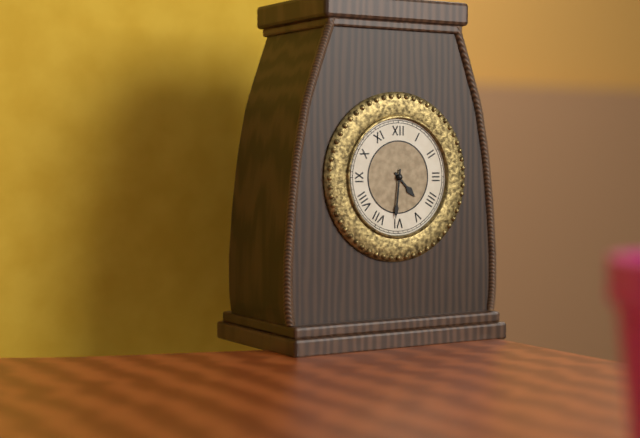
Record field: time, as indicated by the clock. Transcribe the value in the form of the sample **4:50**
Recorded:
**4:31**
